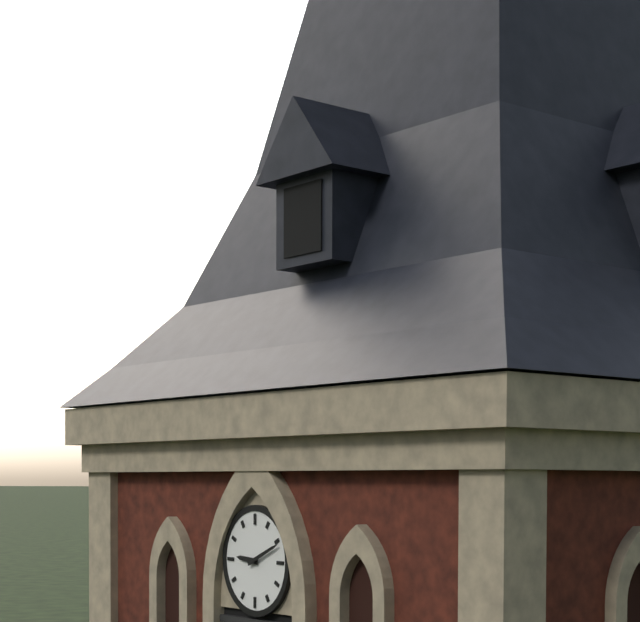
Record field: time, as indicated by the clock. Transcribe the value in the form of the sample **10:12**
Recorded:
**9:11**
